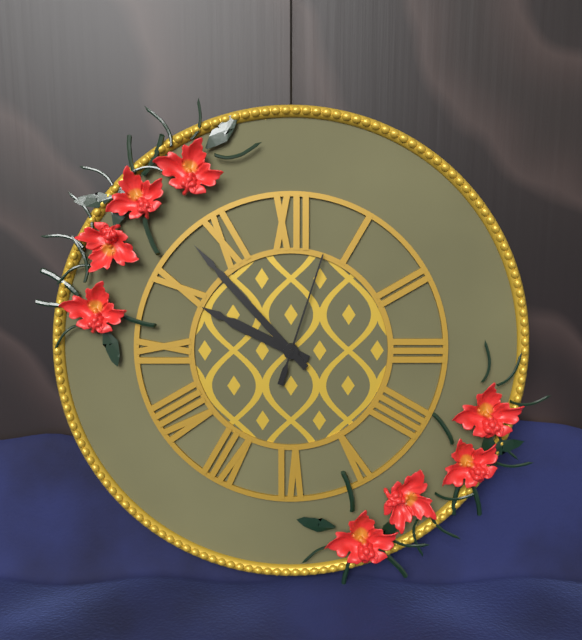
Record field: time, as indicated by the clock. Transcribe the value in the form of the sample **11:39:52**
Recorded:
**9:53:03**
